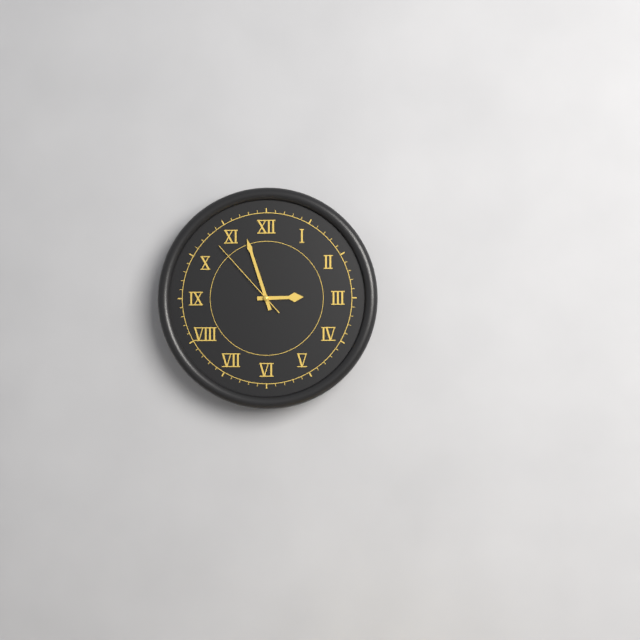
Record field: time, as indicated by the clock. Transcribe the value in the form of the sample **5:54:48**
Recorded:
**2:57:53**
